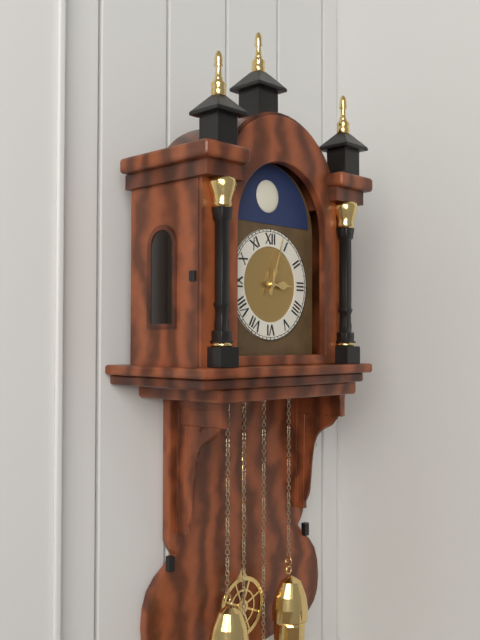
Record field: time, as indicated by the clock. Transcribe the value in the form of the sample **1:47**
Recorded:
**3:03**
